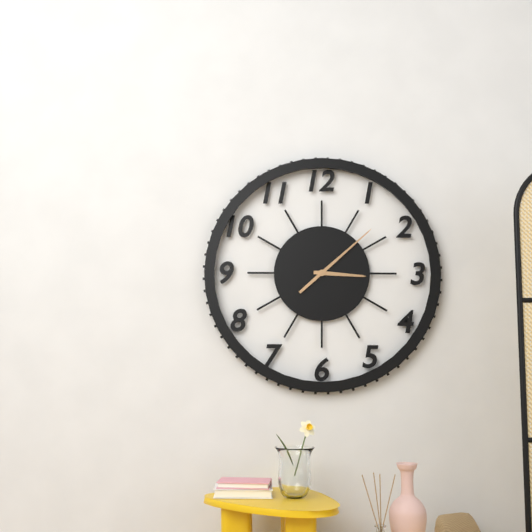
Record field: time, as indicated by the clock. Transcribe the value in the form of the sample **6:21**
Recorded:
**3:08**
